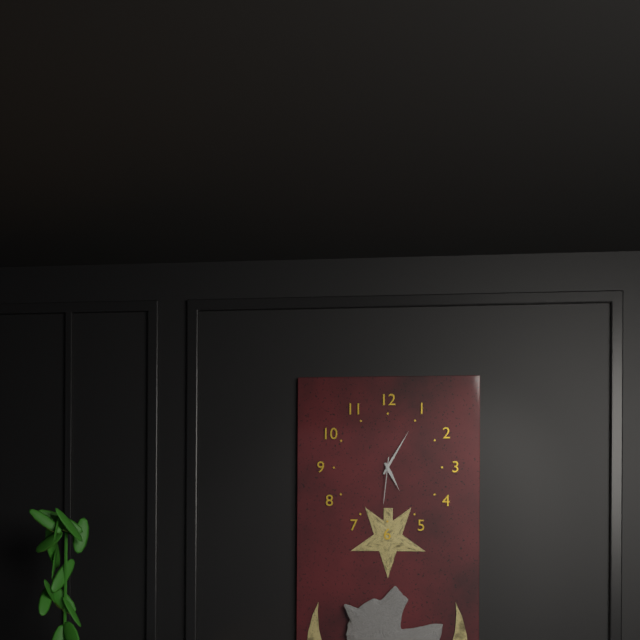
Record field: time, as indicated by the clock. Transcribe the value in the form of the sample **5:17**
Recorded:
**5:05**
